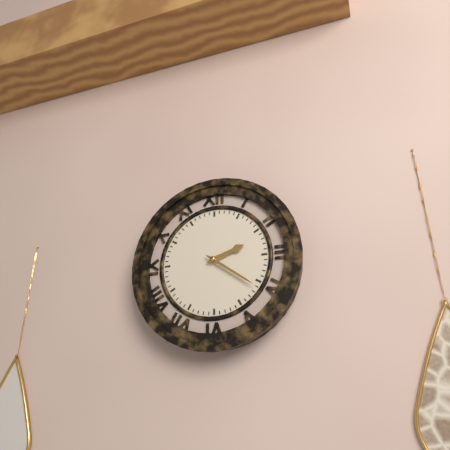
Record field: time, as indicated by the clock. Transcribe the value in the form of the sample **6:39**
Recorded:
**2:21**
